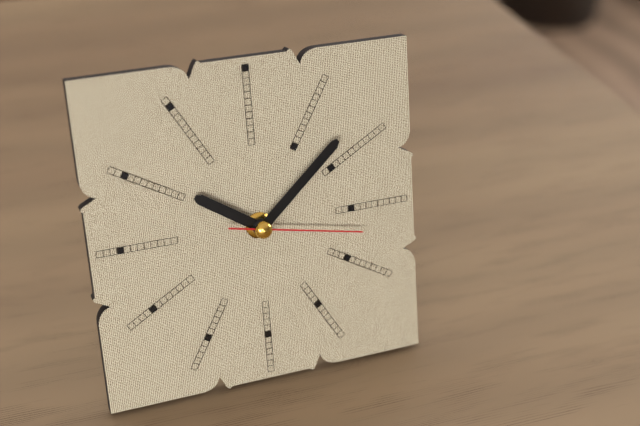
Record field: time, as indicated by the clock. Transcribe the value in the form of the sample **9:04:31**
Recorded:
**10:08:17**
